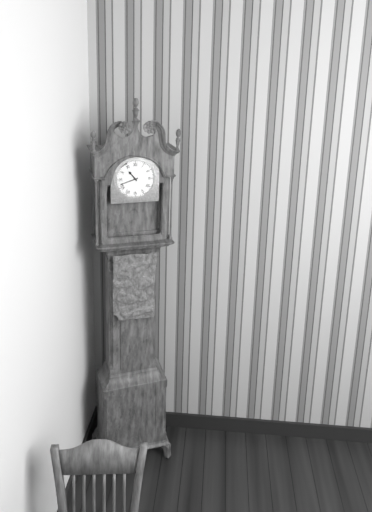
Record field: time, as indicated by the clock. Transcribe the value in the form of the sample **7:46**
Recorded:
**10:42**
